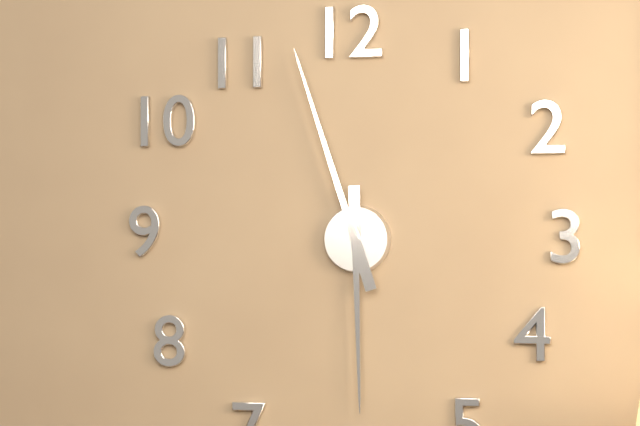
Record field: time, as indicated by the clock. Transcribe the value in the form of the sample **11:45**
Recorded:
**5:57**
